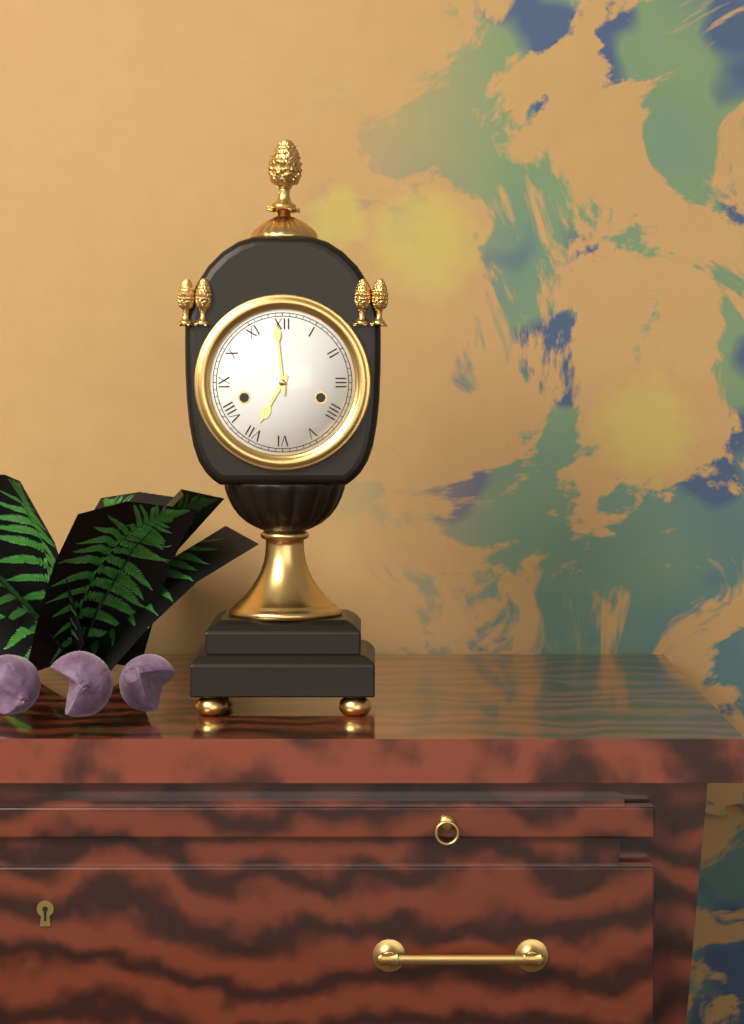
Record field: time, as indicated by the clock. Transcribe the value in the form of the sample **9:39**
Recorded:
**6:59**
